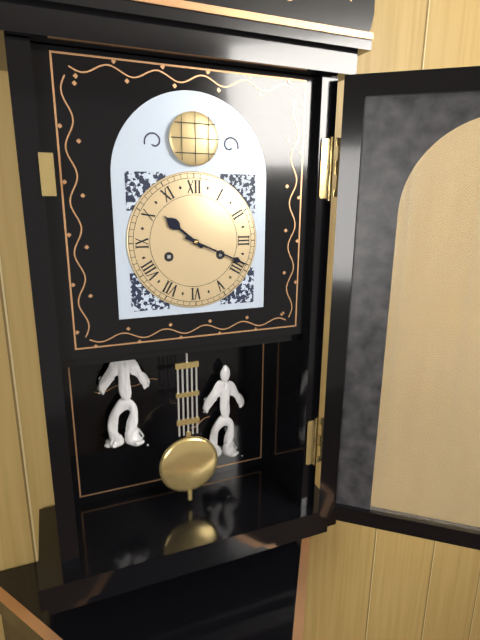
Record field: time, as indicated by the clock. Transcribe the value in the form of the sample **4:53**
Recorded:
**10:19**
